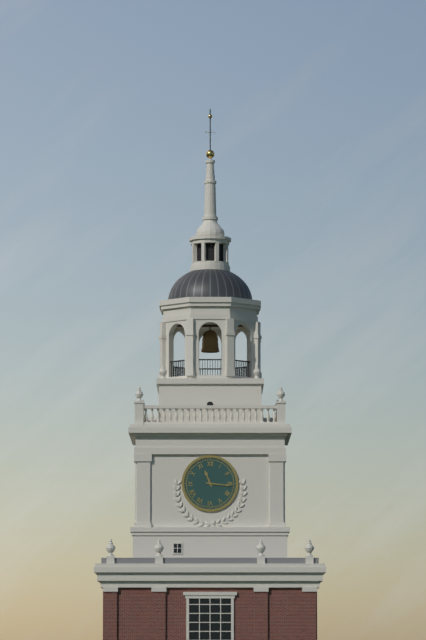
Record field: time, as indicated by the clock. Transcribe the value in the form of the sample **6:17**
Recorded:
**11:16**
